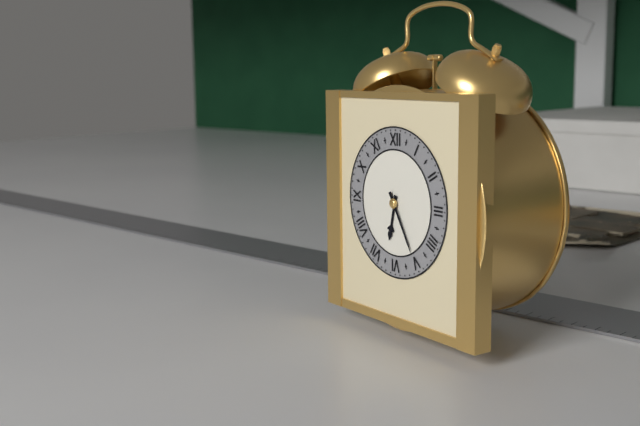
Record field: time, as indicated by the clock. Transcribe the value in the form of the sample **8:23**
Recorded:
**6:25**
